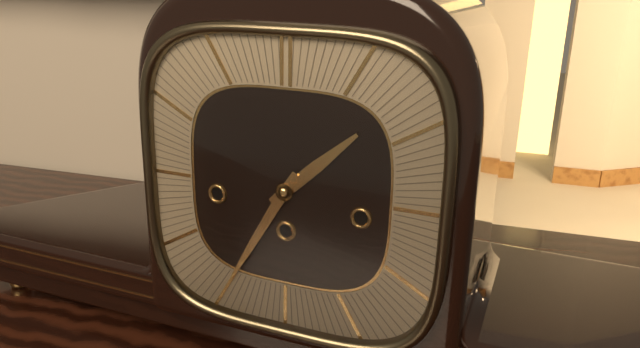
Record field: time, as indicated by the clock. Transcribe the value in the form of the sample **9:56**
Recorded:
**1:35**
